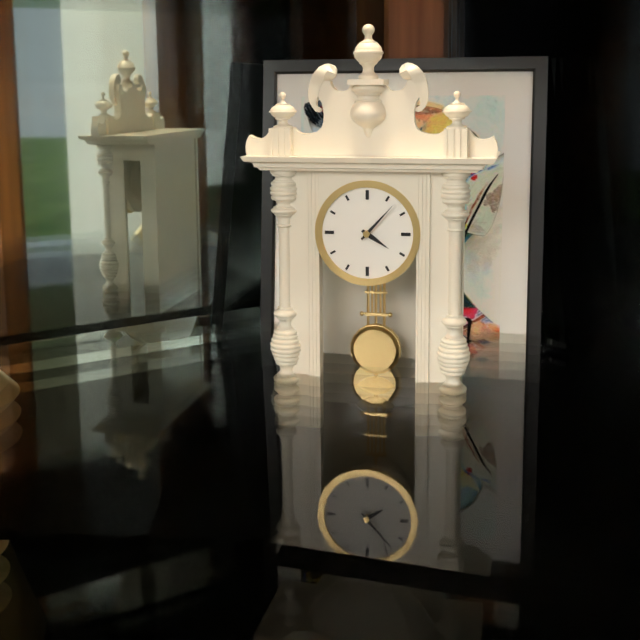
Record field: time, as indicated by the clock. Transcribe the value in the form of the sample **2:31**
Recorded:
**4:07**
